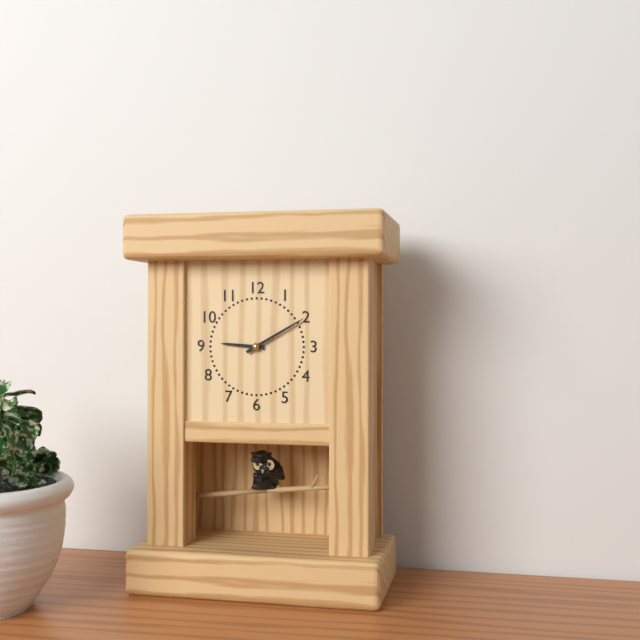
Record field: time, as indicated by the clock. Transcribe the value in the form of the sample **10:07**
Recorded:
**9:10**
